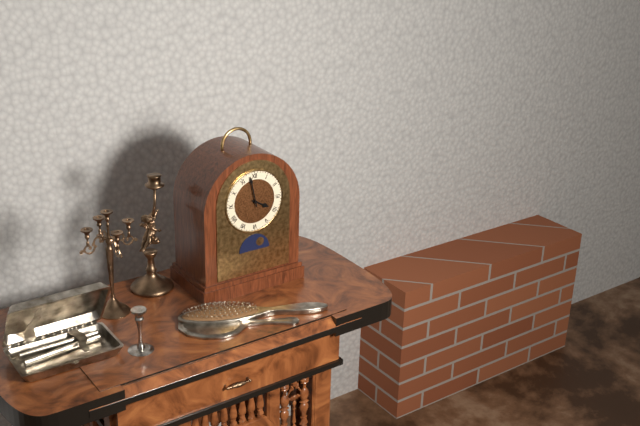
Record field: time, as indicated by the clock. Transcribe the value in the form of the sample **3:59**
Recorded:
**3:58**
